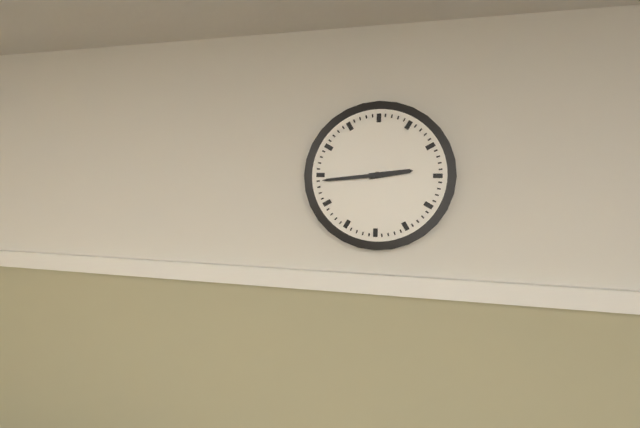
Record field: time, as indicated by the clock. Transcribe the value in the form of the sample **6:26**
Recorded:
**2:44**
